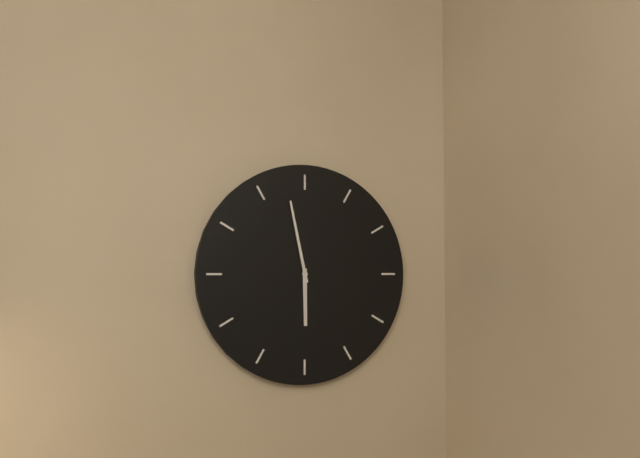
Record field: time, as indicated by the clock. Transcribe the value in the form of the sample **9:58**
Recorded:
**5:58**
